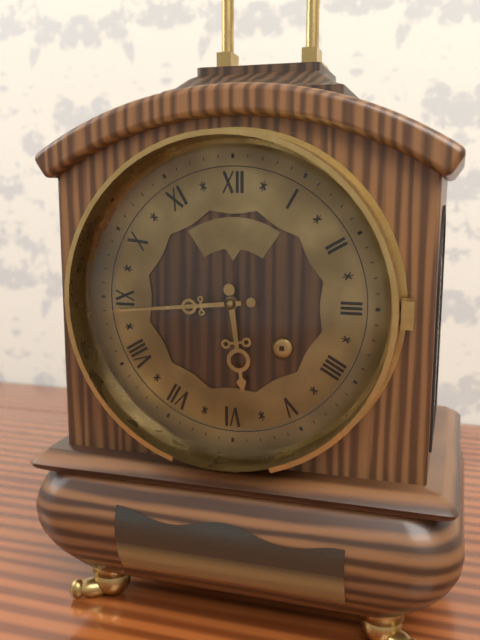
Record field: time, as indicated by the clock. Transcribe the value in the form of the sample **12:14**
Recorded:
**5:44**
